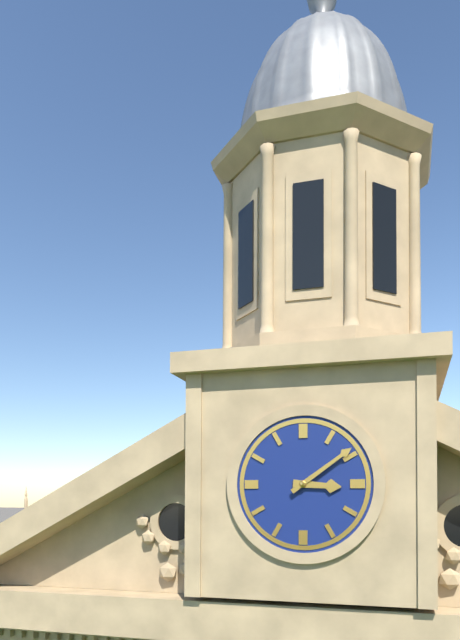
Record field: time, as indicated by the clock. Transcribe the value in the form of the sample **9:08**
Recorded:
**3:09**
